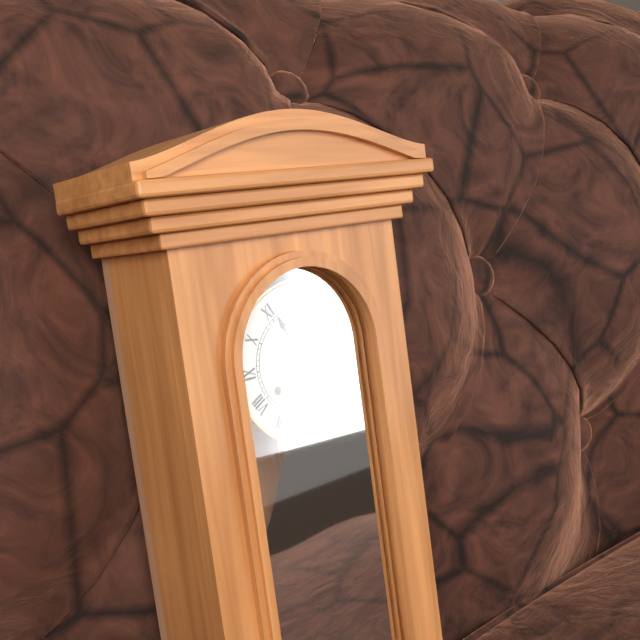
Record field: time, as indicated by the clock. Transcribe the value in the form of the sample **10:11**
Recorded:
**12:56**
